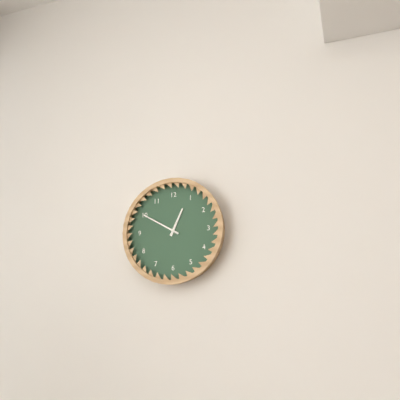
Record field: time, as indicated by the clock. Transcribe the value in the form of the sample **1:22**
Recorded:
**12:50**
